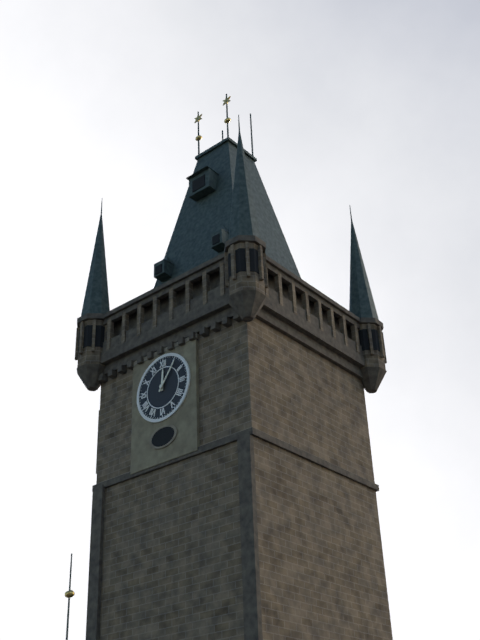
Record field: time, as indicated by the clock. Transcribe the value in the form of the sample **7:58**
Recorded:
**12:06**
